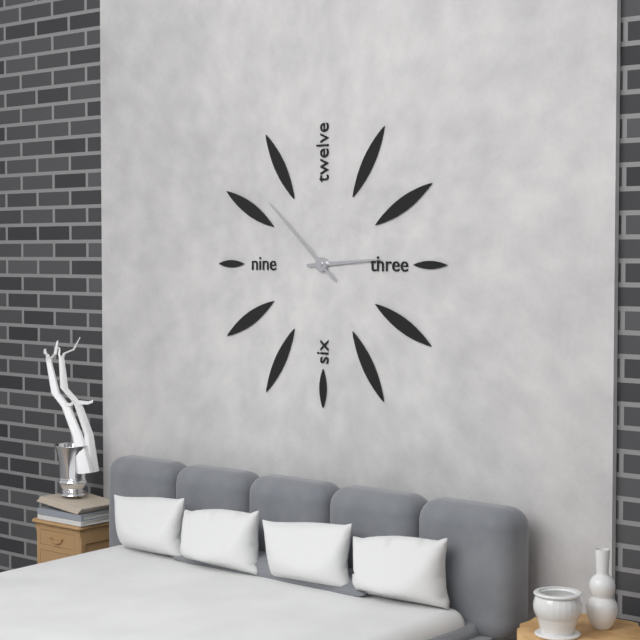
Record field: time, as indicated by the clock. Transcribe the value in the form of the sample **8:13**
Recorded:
**2:52**
